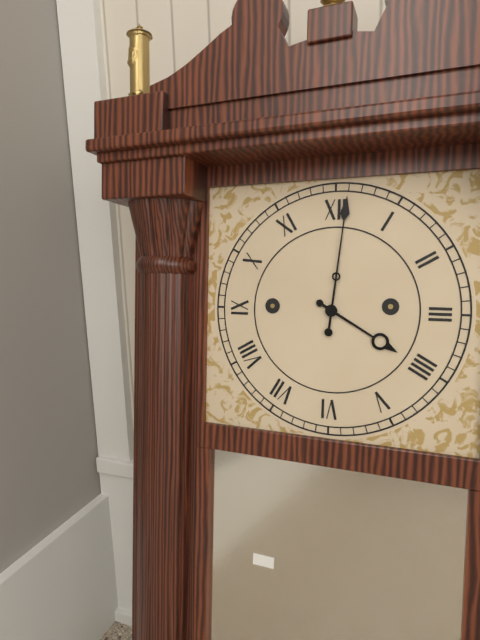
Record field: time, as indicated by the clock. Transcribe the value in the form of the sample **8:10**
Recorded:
**4:01**
